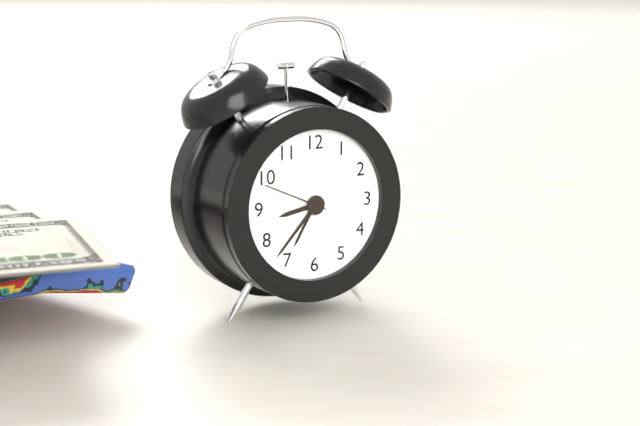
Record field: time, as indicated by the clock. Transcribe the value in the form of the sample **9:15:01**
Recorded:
**8:37:49**
